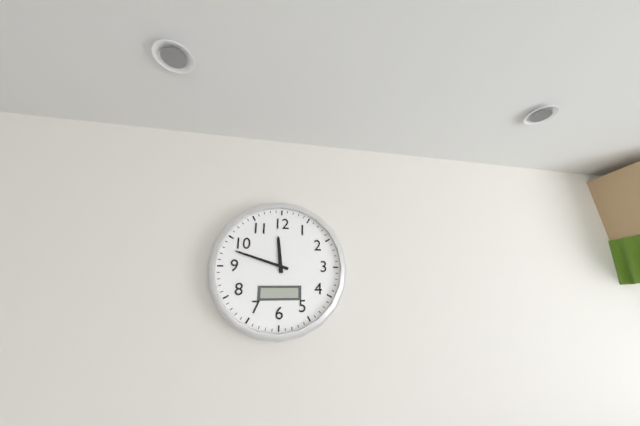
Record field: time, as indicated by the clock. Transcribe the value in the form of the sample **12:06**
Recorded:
**11:48**
